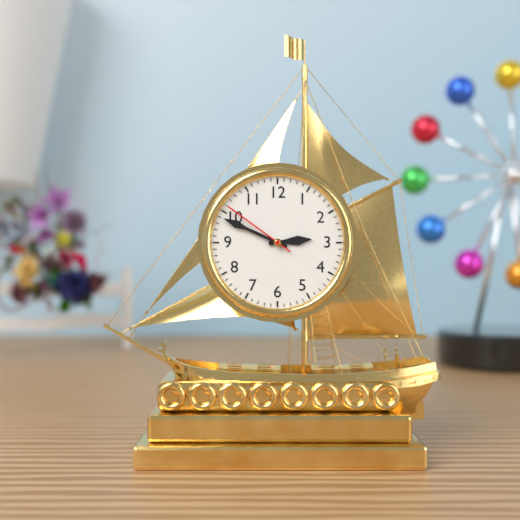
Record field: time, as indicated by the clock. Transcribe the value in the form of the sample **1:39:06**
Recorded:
**2:49:51**
